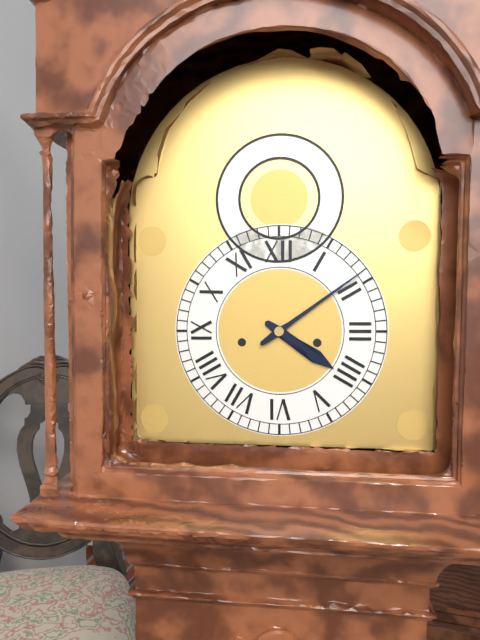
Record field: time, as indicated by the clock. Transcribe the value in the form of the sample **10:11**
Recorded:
**4:09**
